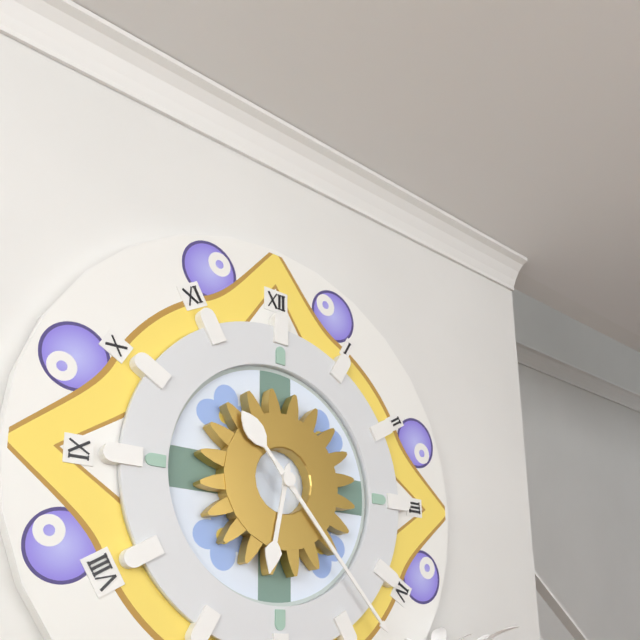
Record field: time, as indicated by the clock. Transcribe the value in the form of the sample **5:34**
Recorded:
**6:23**
